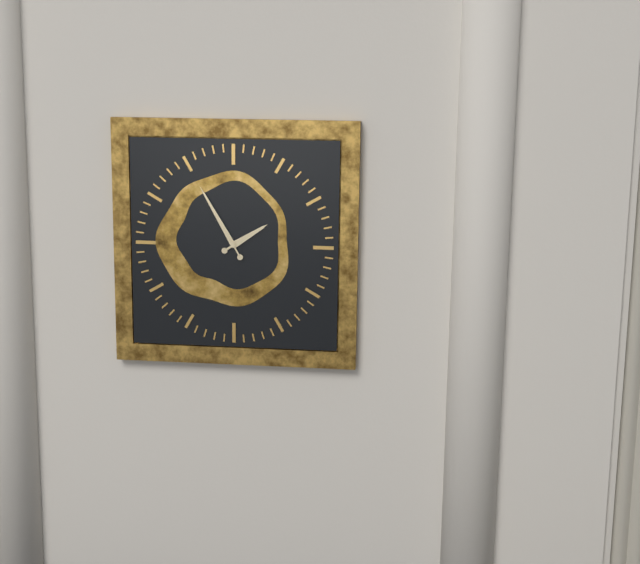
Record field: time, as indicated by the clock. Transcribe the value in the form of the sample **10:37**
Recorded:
**1:55**
